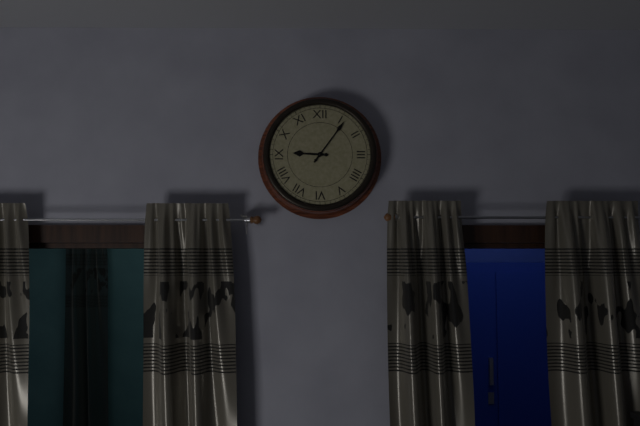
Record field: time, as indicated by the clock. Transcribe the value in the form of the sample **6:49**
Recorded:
**9:06**
